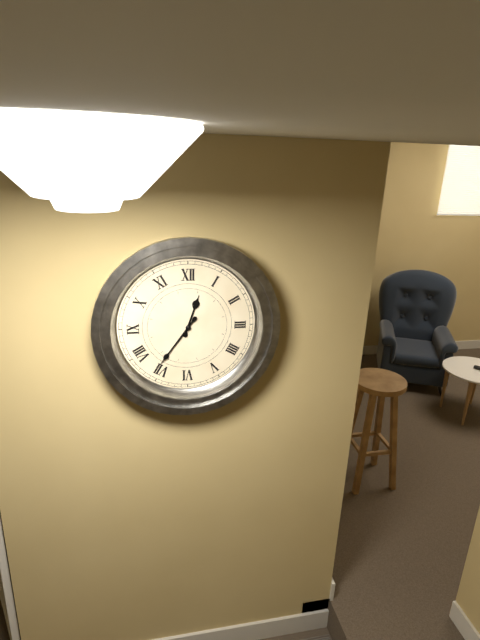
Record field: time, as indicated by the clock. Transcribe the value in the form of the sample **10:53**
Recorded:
**12:36**
